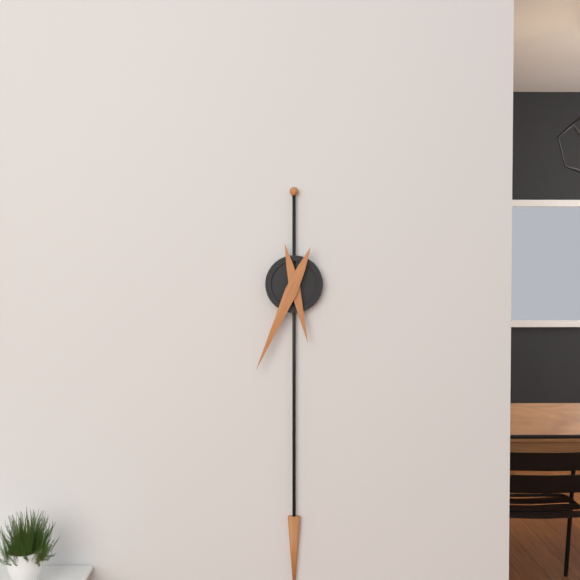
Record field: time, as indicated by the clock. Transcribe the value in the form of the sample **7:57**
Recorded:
**5:34**
